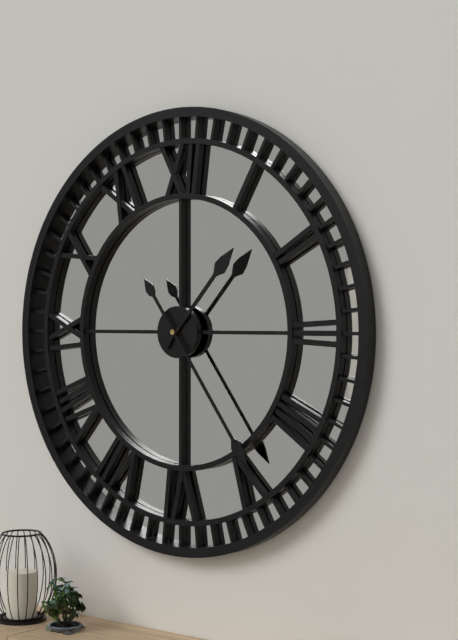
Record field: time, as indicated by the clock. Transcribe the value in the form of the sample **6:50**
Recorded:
**1:24**
